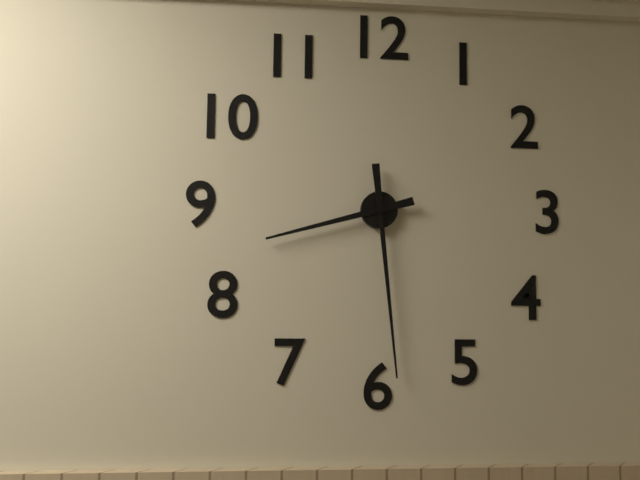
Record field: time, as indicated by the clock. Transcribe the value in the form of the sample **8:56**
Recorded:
**8:29**
